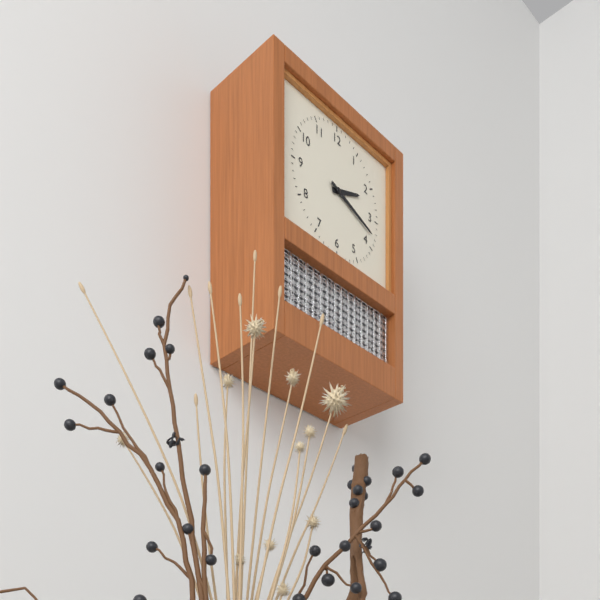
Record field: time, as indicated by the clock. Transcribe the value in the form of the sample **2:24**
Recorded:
**2:18**
